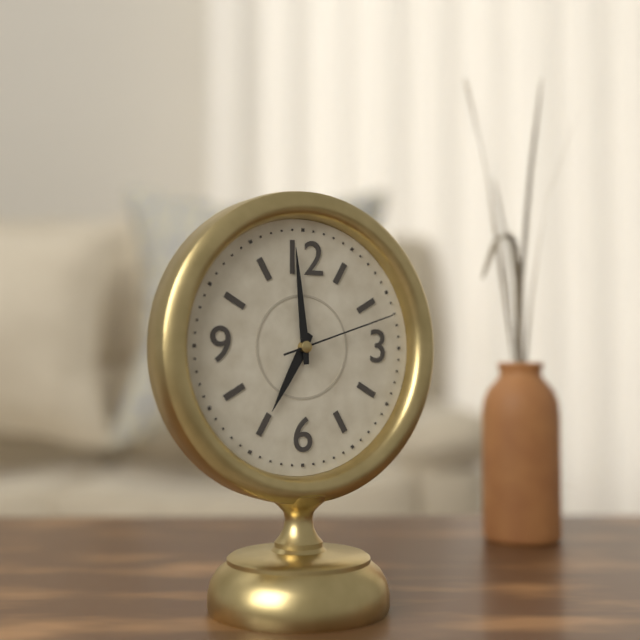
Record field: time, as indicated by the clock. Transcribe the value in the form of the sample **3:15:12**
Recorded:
**6:59:12**
